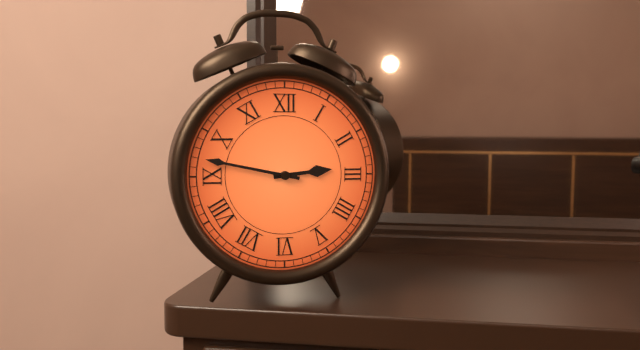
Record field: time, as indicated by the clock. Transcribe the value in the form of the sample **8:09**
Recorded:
**2:47**
